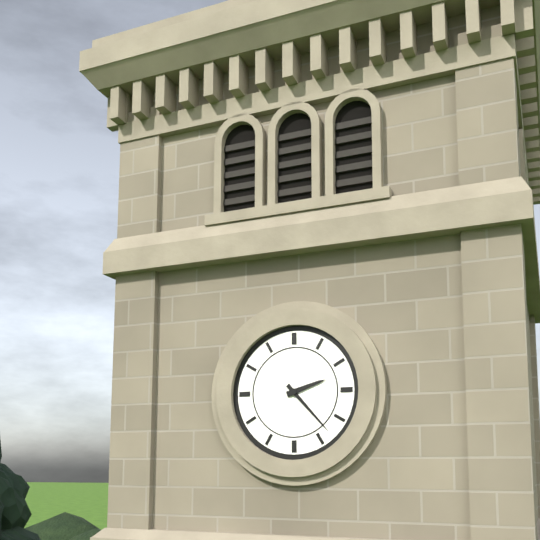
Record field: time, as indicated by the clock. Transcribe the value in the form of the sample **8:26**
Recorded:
**2:23**
